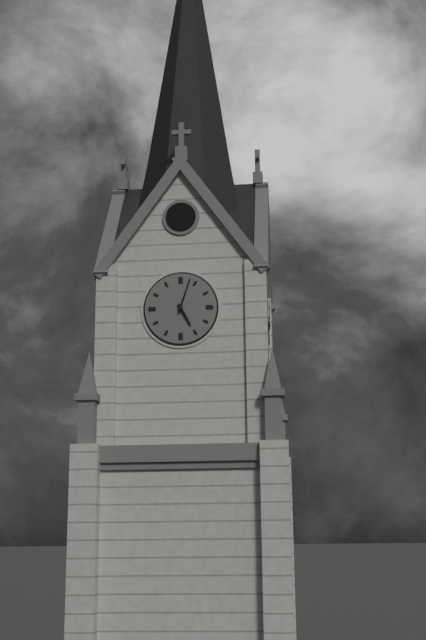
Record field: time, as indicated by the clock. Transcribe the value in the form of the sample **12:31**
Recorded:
**5:03**
